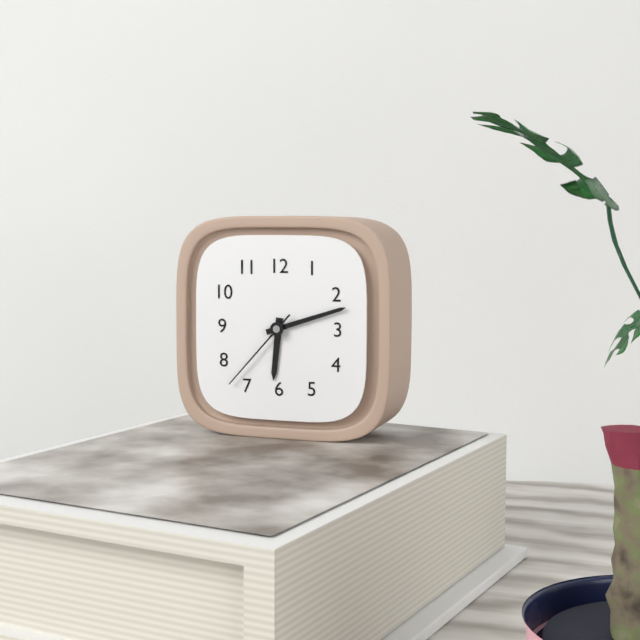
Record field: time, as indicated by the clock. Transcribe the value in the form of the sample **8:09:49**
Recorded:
**6:12:37**
